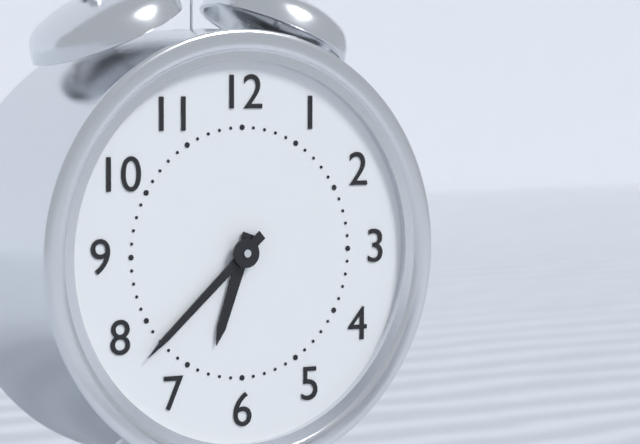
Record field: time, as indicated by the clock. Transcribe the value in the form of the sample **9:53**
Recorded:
**6:38**
